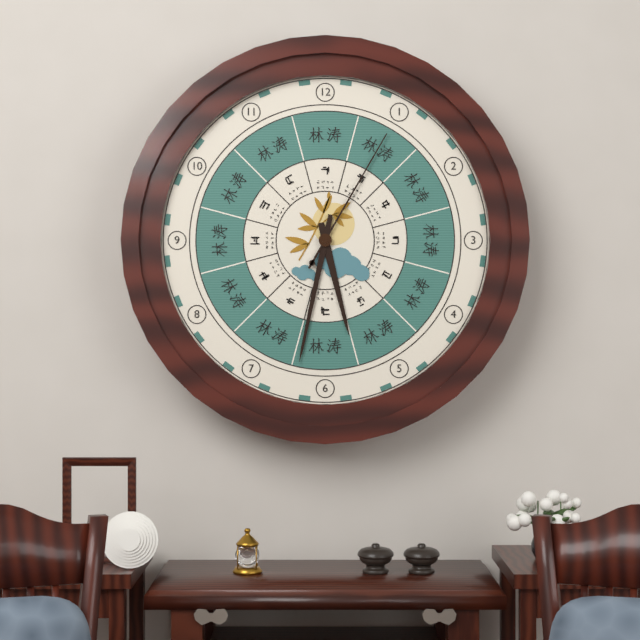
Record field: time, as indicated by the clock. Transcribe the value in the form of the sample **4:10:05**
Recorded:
**5:32:05**
